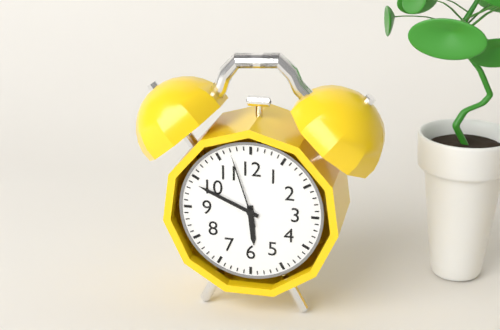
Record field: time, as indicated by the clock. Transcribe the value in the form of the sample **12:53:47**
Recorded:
**5:49:57**
